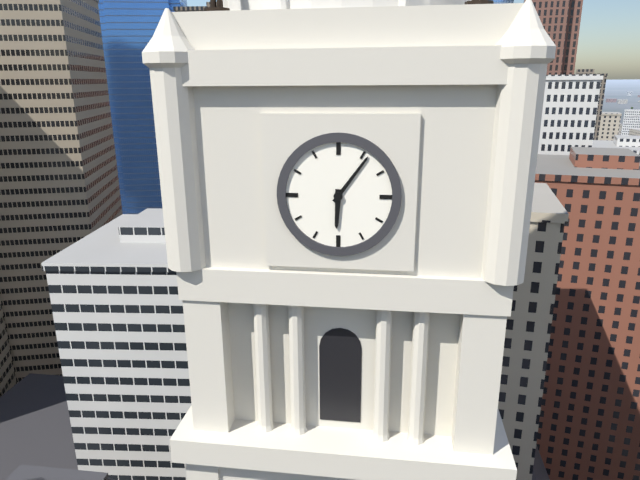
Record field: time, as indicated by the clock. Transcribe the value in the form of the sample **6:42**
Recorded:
**6:06**
